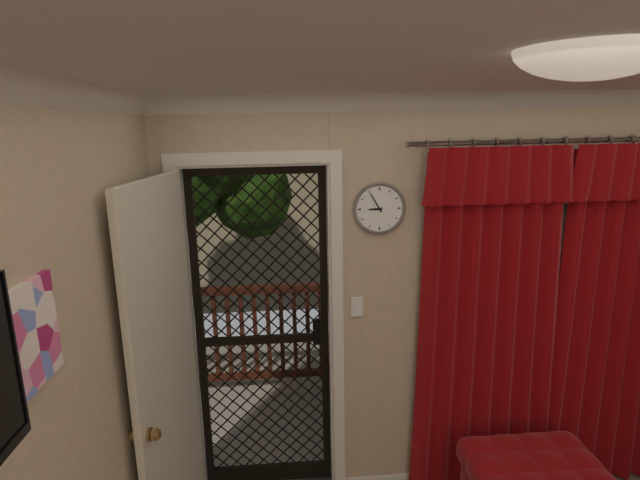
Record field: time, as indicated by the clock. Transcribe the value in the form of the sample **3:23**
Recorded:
**8:55**
